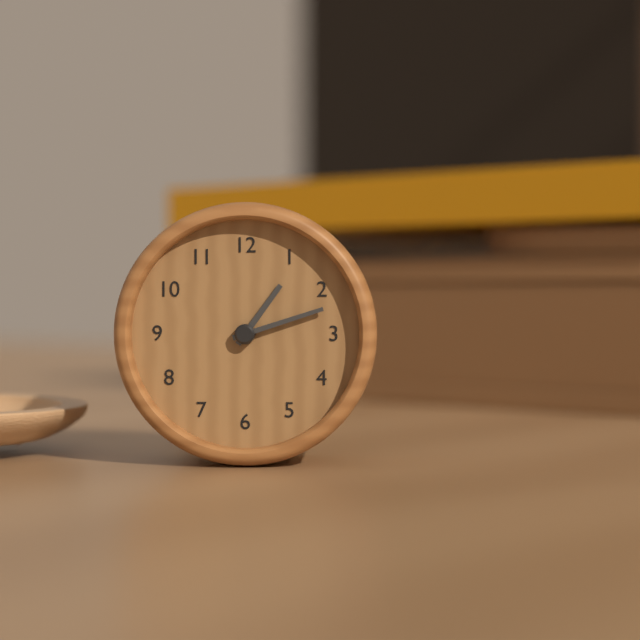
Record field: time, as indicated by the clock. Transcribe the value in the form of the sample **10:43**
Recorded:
**1:12**
